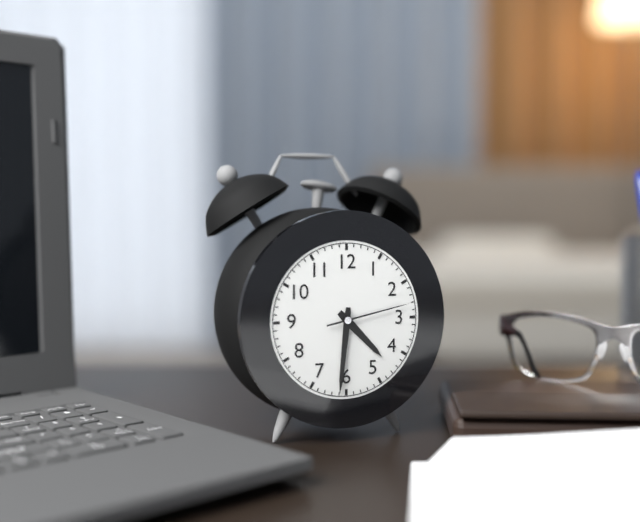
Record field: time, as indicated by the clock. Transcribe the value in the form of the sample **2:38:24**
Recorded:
**4:31:13**
